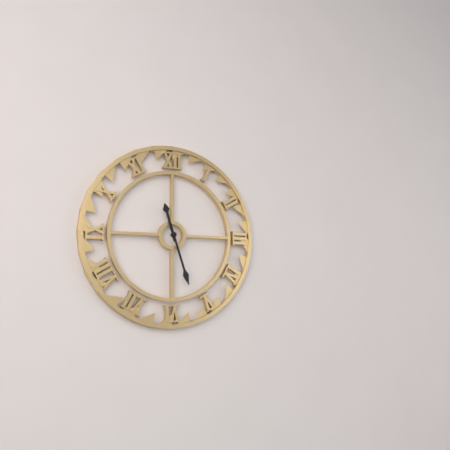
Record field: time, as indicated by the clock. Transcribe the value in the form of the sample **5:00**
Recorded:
**11:27**
